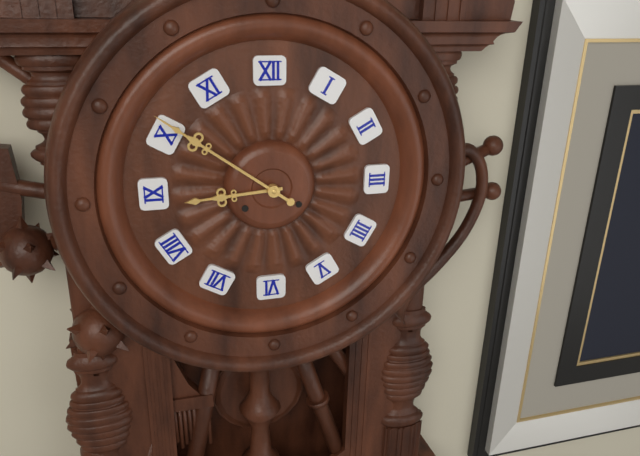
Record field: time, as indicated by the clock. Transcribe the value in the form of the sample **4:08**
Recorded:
**8:51**
